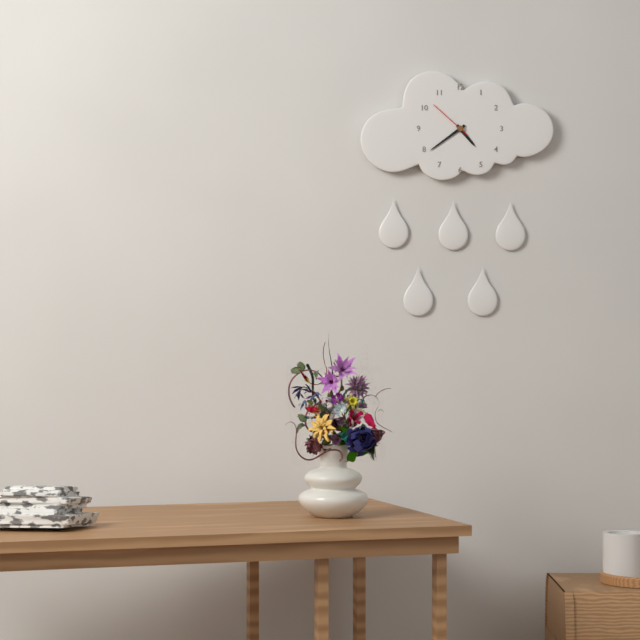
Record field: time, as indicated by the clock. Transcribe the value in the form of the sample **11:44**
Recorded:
**4:39**
